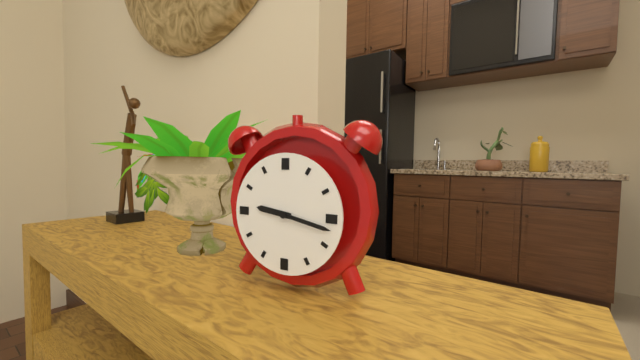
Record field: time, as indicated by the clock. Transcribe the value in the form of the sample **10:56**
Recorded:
**9:17**
